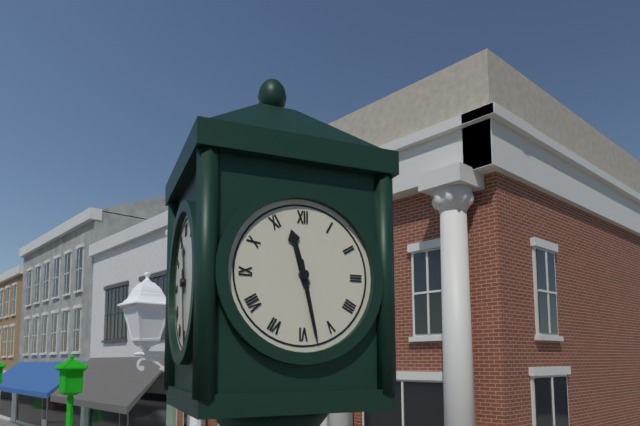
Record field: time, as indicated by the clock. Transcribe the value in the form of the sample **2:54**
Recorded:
**11:28**
